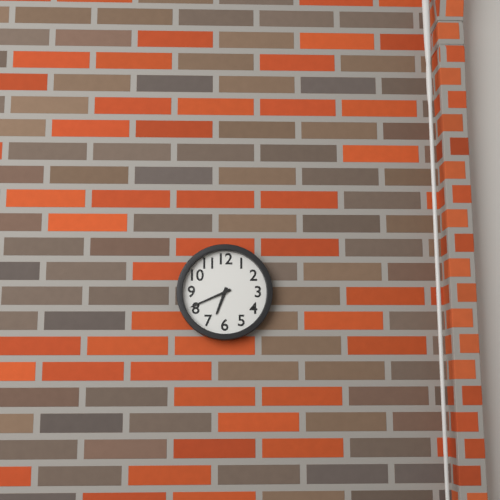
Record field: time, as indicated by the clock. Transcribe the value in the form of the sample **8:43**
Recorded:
**6:41**
